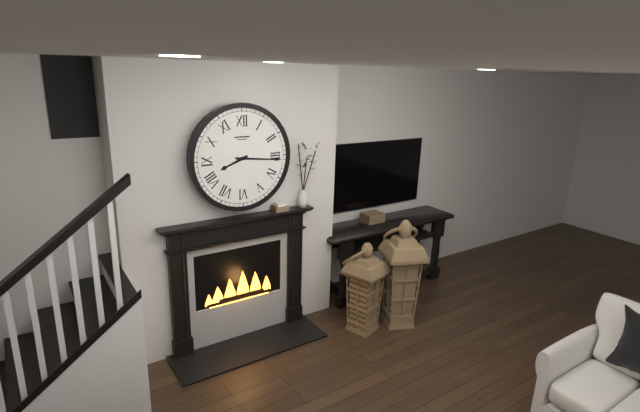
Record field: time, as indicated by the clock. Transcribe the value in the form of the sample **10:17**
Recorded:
**8:16**
